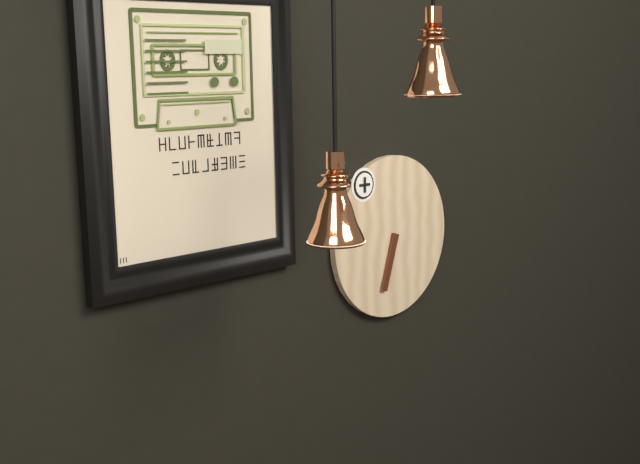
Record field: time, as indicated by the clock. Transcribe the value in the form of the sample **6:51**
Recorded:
**6:33**
